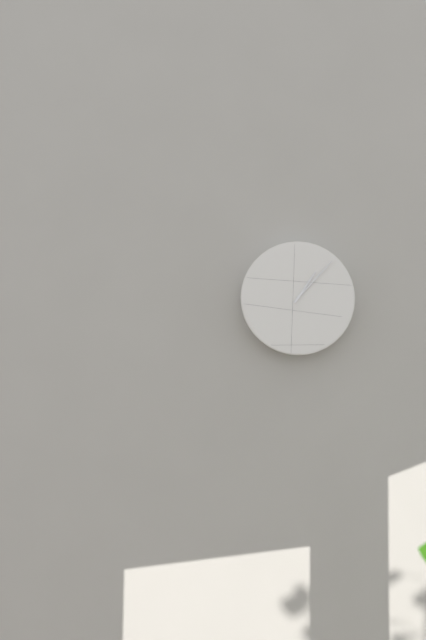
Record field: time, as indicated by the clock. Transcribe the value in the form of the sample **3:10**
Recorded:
**1:07**
